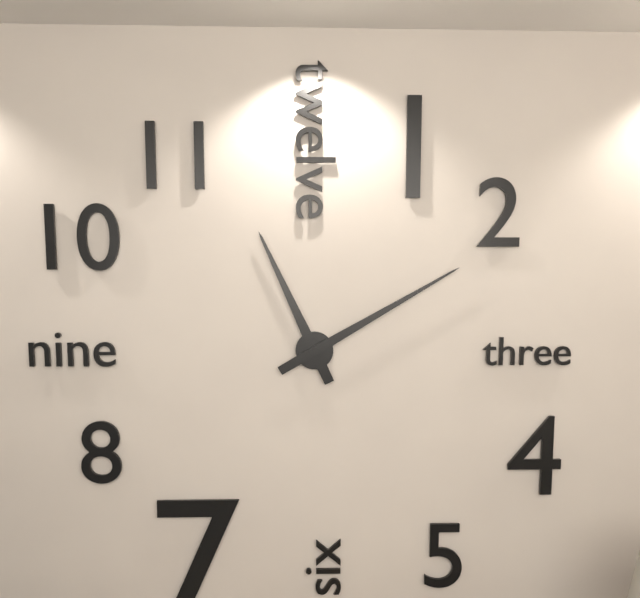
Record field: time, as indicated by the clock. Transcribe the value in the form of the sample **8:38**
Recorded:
**11:10**
